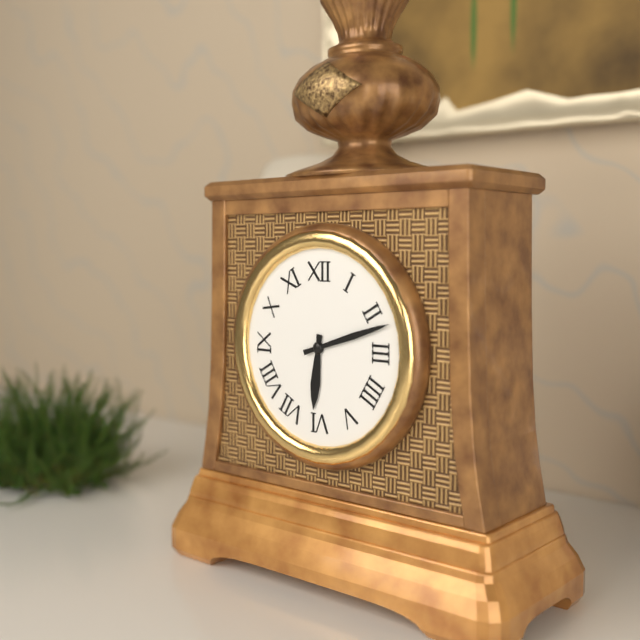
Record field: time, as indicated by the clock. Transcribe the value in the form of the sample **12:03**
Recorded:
**6:12**
